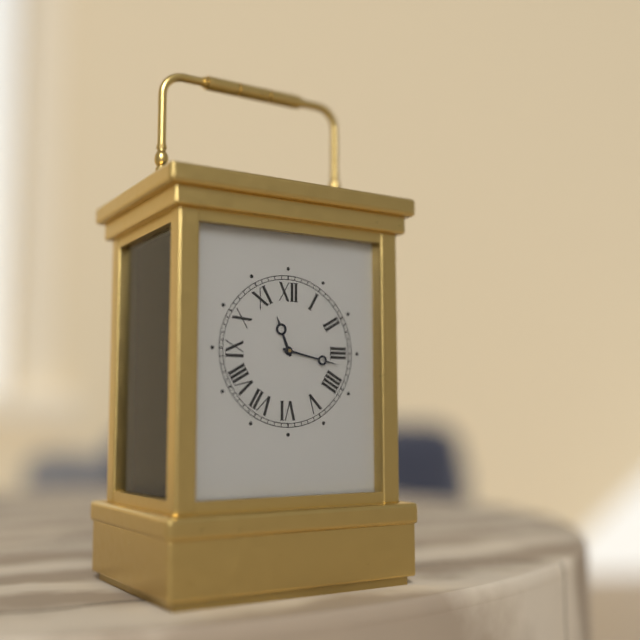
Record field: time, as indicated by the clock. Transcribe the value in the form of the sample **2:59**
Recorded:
**11:17**
